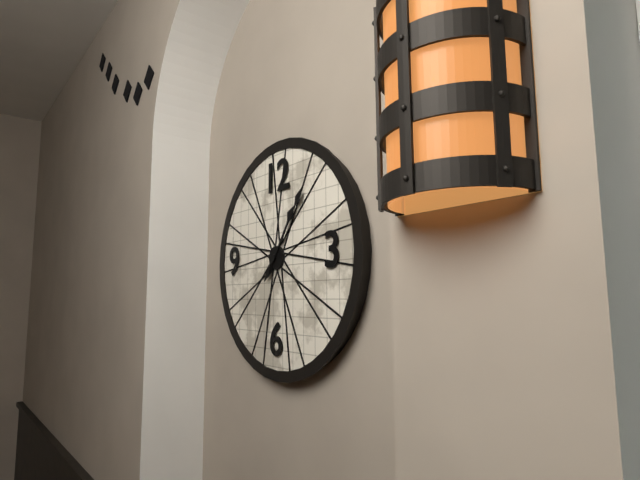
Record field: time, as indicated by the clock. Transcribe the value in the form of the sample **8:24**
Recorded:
**1:06**
